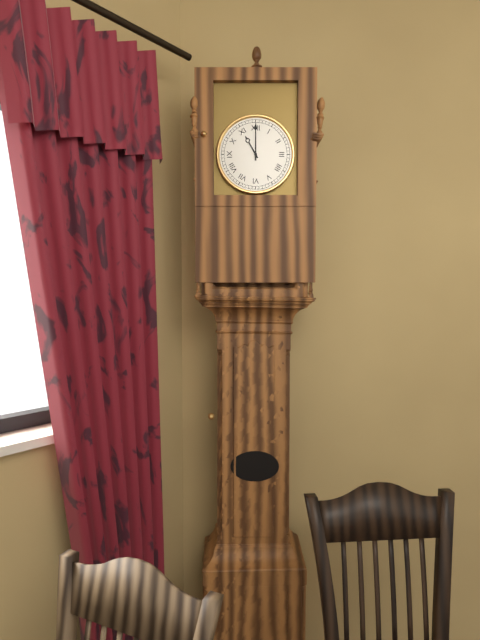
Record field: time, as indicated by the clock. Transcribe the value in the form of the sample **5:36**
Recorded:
**11:00**
